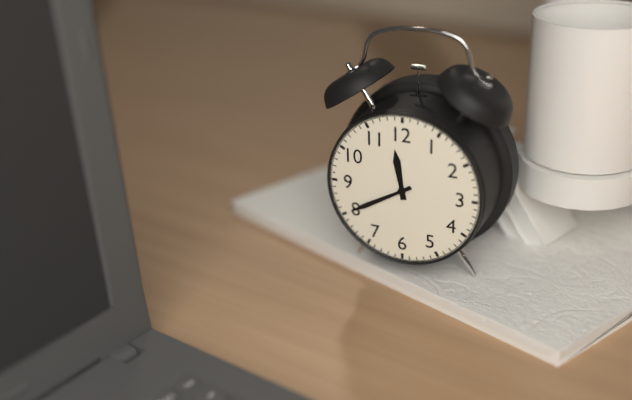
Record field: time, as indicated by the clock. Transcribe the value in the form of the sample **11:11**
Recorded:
**11:40**
